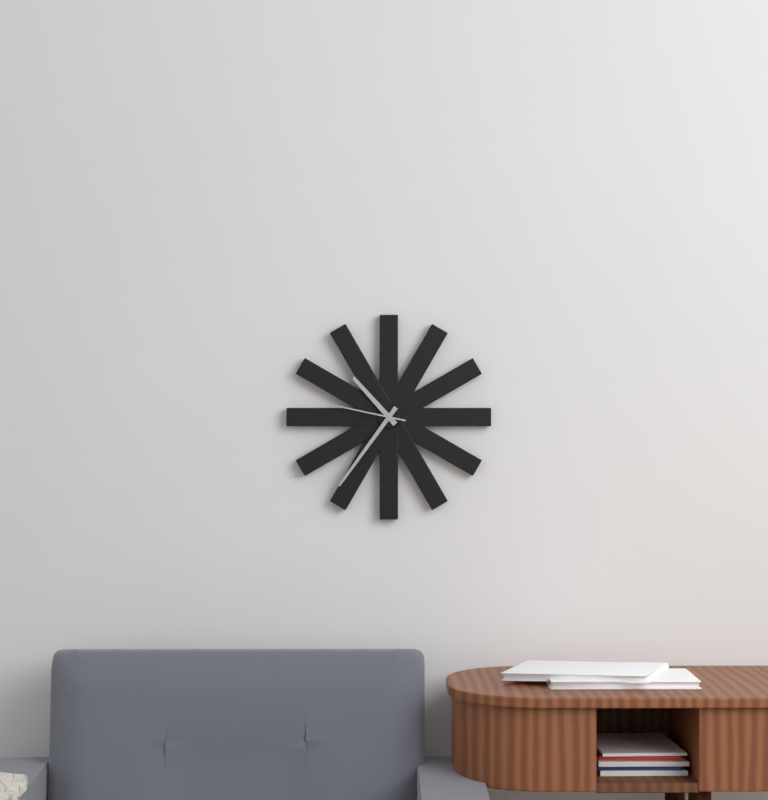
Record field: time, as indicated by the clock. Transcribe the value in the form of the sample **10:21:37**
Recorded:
**10:36:47**
